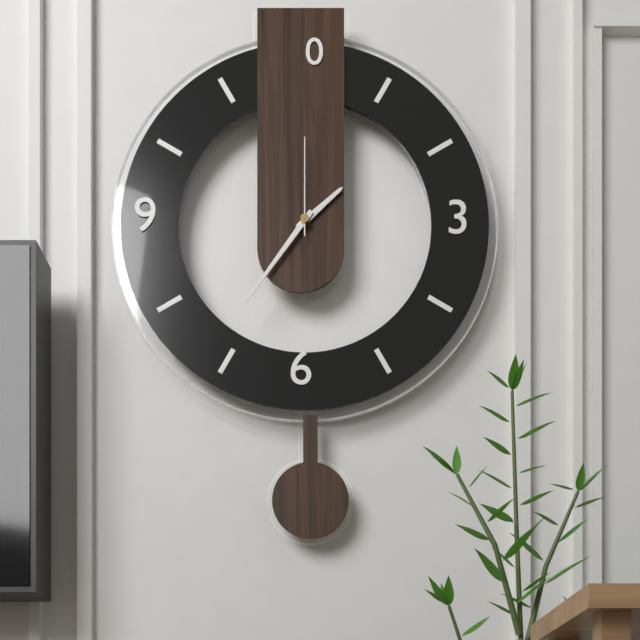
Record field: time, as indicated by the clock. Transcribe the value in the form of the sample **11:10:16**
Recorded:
**1:36:00**
